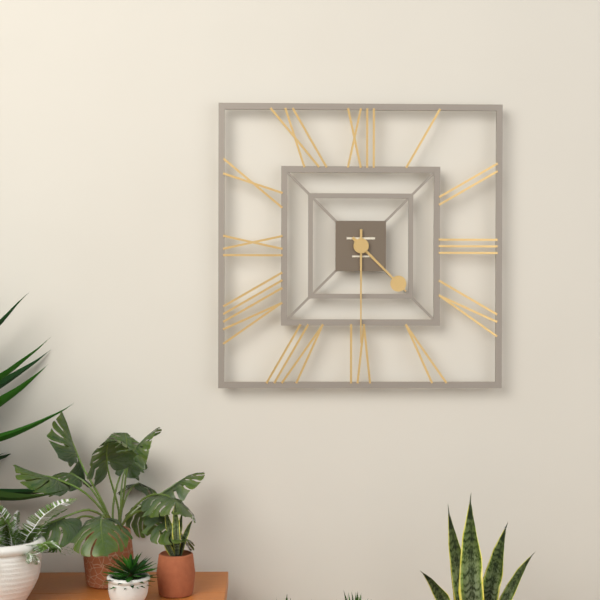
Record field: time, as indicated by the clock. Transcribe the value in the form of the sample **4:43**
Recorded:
**4:30**
